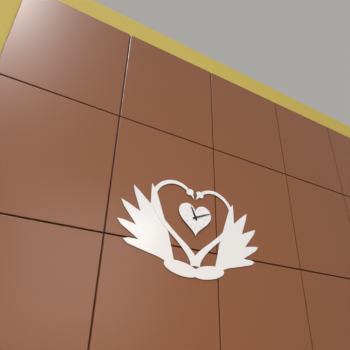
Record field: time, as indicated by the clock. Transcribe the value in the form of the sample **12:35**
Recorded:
**11:11**
